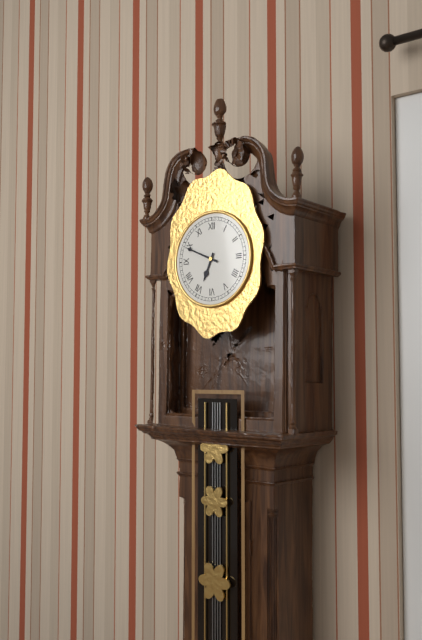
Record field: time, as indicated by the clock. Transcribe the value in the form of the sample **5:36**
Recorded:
**6:49**
